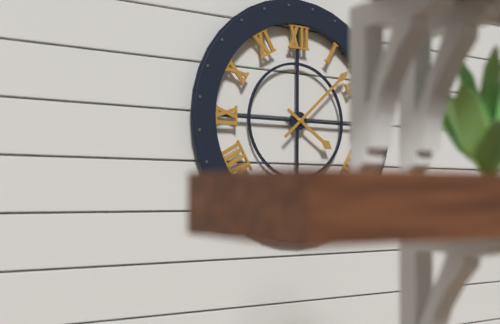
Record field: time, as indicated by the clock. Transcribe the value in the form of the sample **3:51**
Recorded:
**4:08**
